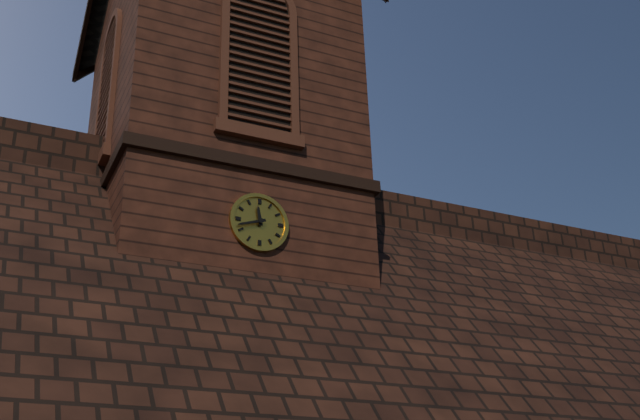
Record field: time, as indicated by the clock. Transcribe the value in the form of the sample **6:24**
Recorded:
**11:42**
